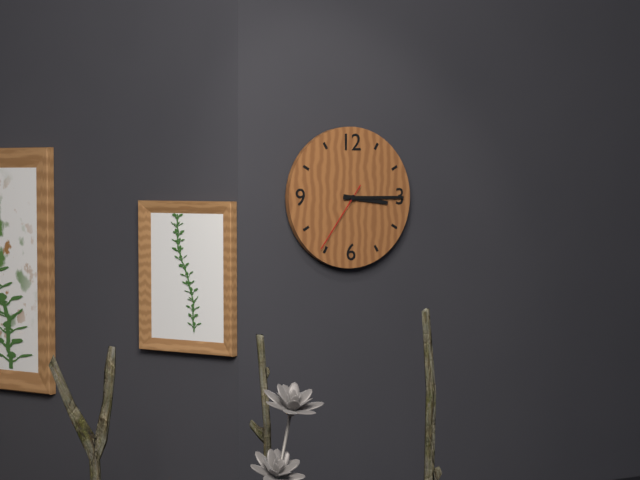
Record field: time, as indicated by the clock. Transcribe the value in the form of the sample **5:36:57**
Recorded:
**3:15:36**
